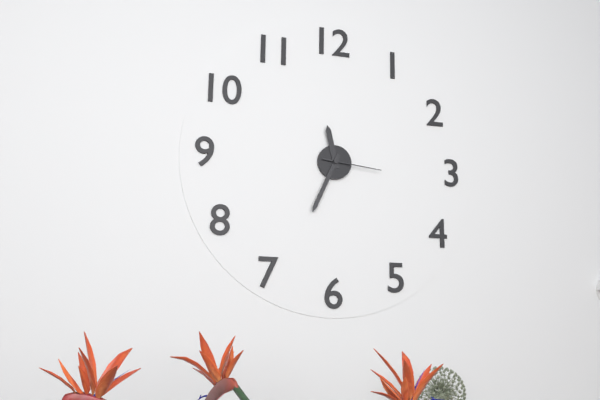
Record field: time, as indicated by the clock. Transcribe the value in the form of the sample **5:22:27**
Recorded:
**11:34:16**
